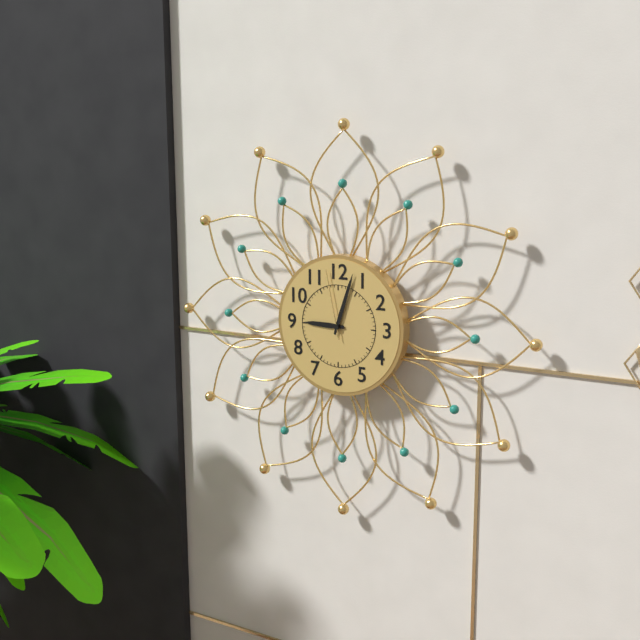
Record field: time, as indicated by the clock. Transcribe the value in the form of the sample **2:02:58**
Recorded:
**9:03:58**
